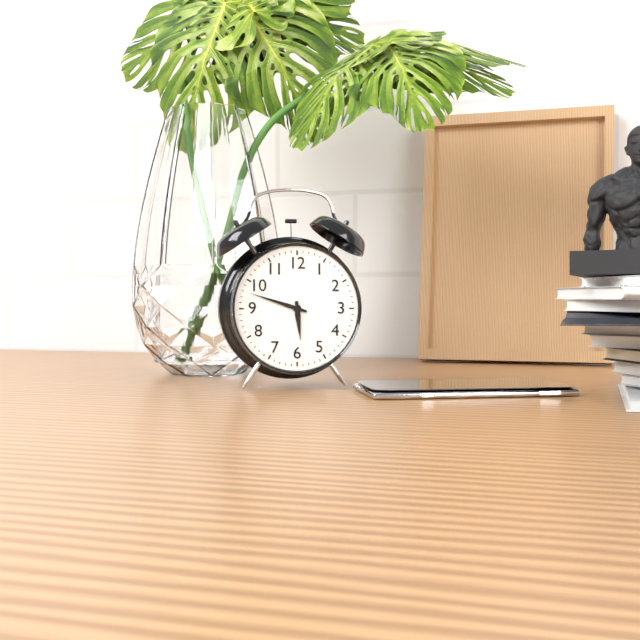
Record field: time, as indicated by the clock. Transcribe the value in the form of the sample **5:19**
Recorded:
**5:48**
